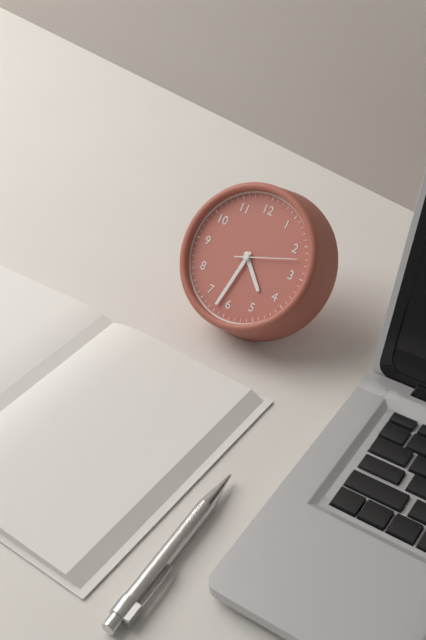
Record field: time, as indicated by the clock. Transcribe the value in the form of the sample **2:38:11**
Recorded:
**4:32:12**
